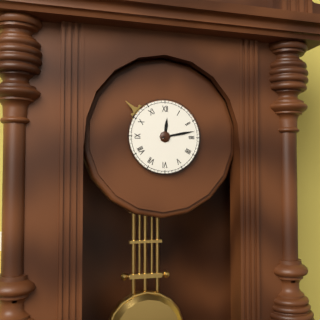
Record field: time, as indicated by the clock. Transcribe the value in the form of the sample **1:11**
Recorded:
**12:13**
